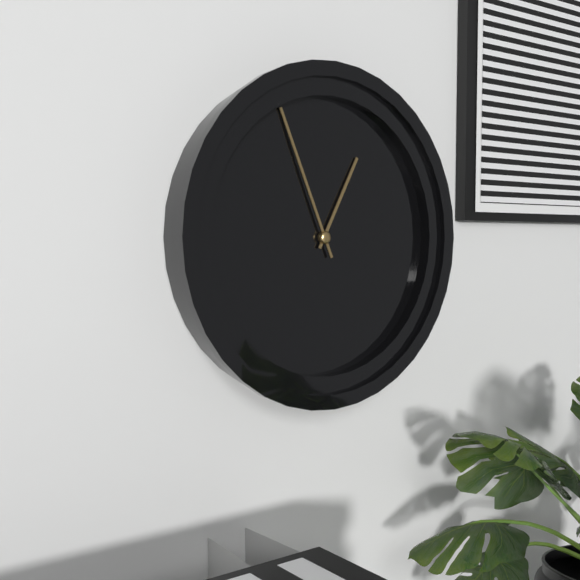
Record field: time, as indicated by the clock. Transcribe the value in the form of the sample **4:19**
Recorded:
**12:56**
